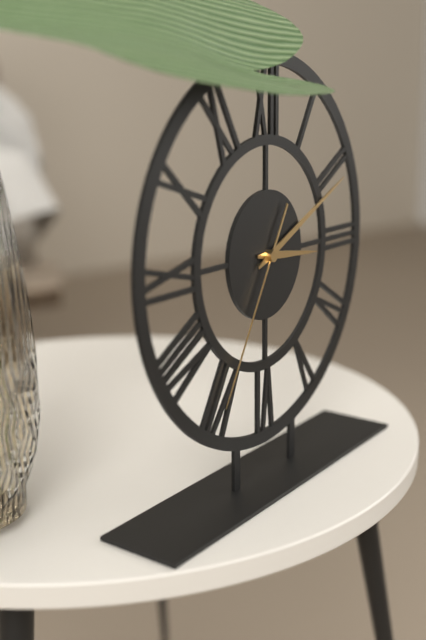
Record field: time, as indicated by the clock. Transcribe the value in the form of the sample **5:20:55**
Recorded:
**3:11:35**
